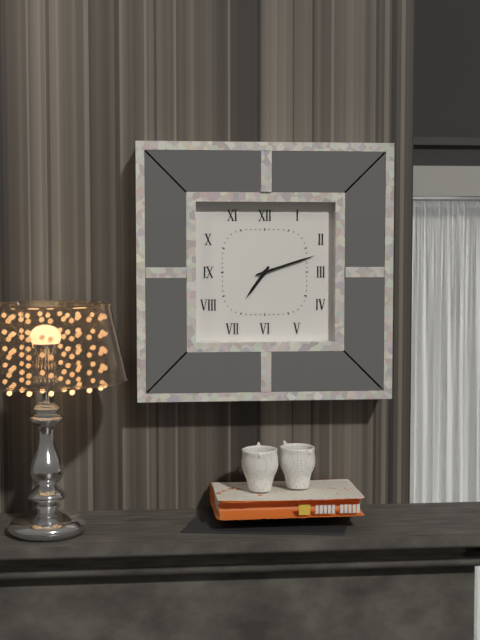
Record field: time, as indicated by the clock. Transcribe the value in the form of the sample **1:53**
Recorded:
**7:12**
